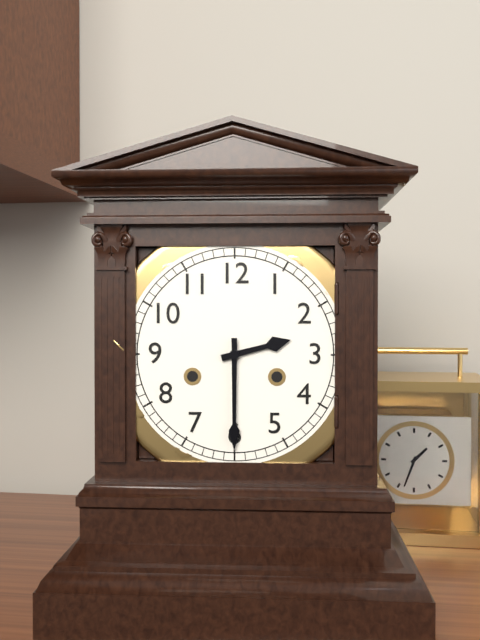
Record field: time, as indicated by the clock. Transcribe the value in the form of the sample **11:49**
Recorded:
**2:30**
